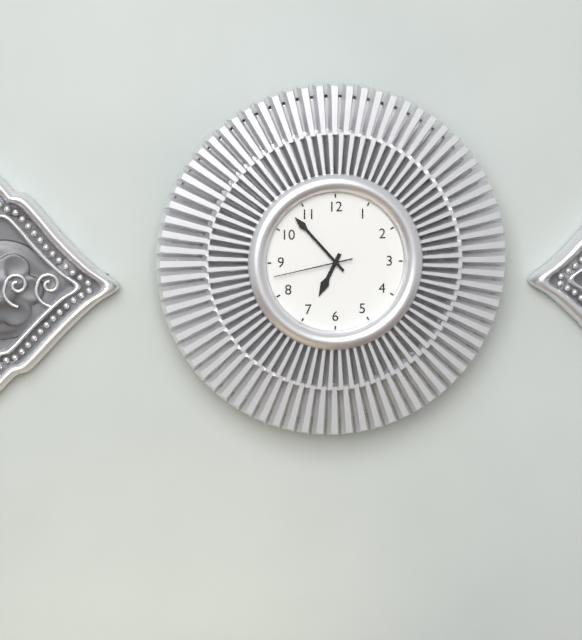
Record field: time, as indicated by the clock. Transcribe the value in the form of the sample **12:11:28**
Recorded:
**6:53:43**
